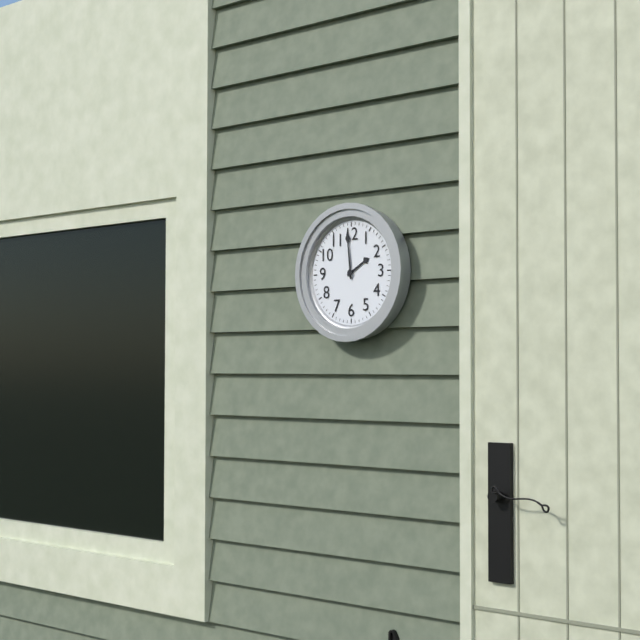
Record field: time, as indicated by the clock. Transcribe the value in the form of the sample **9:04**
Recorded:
**1:59**
